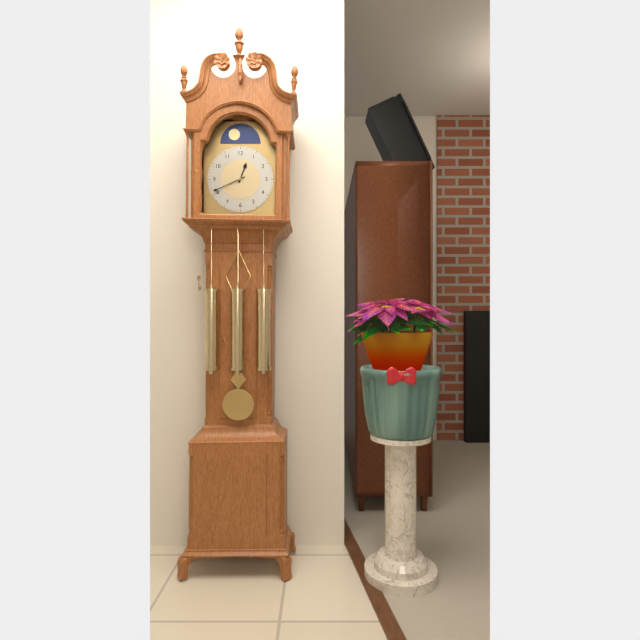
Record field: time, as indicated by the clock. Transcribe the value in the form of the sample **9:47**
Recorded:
**12:41**
